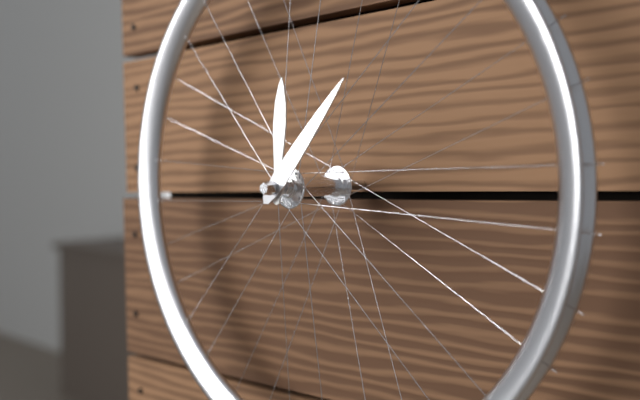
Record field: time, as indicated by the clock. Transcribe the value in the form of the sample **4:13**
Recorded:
**12:07**
